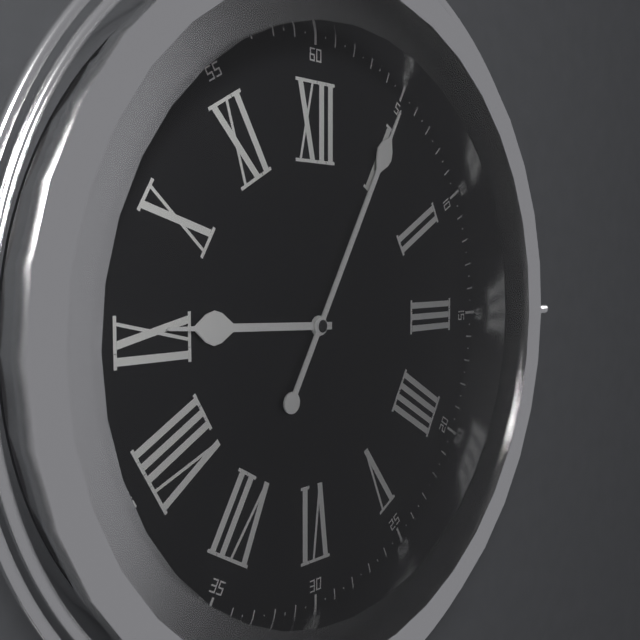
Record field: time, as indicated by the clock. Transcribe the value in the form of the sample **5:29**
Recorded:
**9:05**
